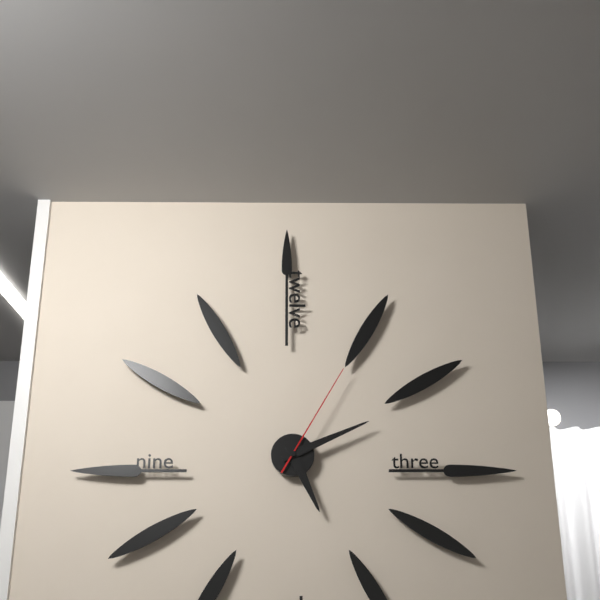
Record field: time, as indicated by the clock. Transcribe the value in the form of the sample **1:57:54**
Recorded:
**5:11:05**
